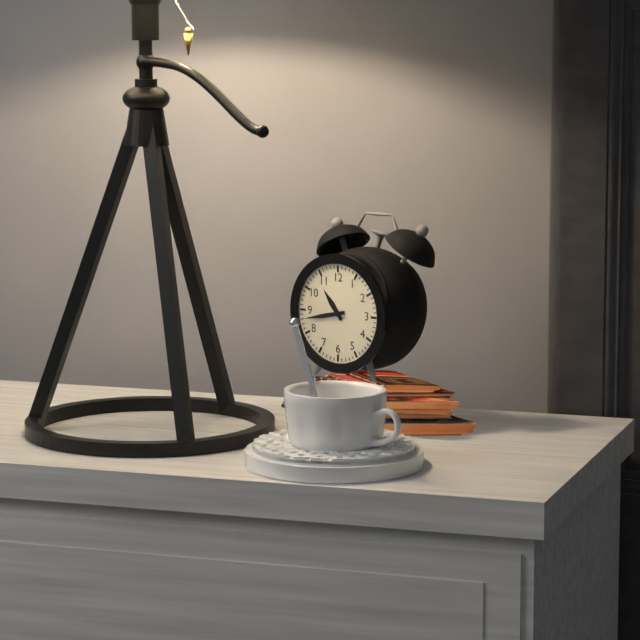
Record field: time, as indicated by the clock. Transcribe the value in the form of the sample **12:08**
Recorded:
**10:43**
